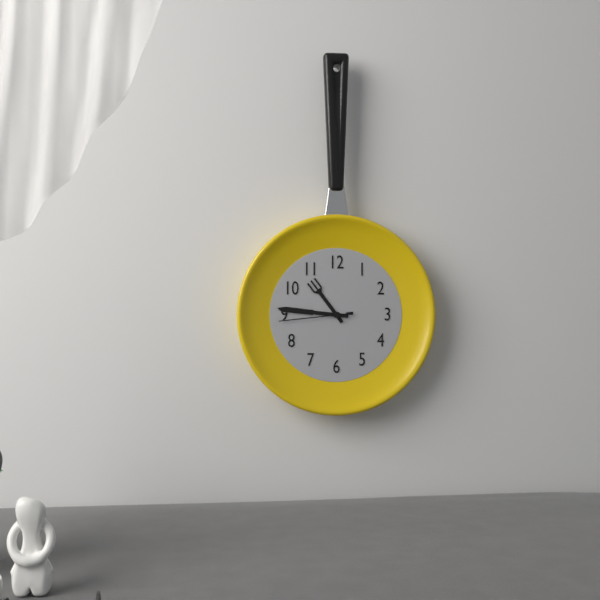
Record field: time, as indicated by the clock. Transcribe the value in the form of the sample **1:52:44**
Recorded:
**10:46:44**
